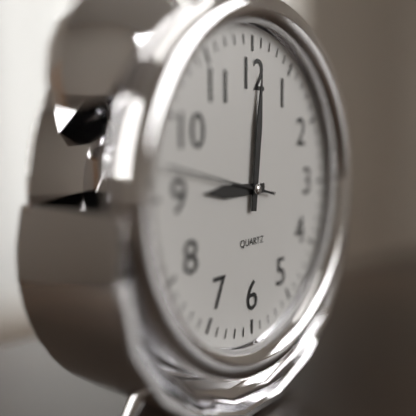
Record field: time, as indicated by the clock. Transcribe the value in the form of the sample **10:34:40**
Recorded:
**9:01:47**
